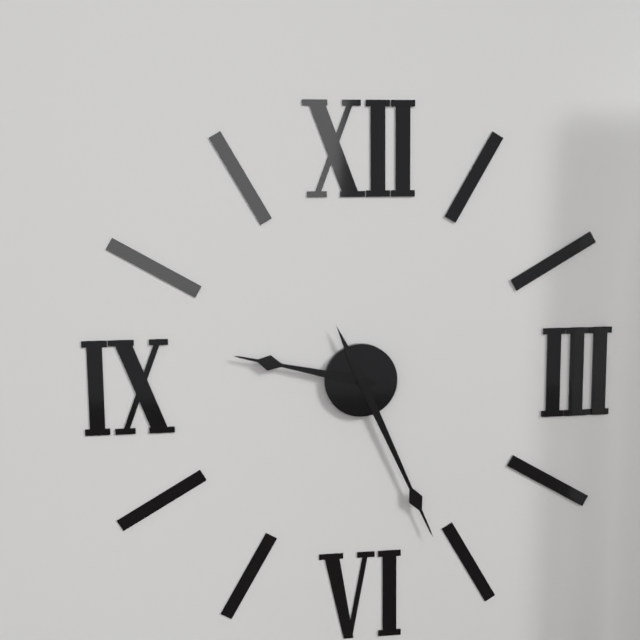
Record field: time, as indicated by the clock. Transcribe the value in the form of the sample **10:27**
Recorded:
**9:26**
